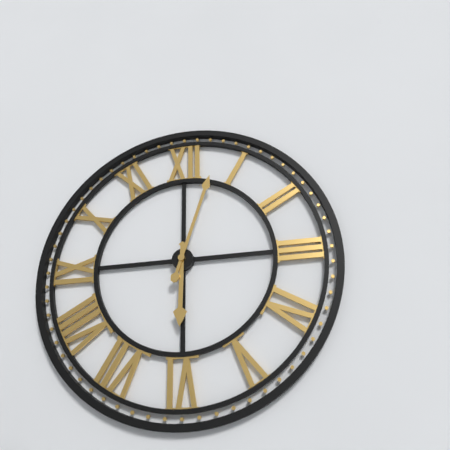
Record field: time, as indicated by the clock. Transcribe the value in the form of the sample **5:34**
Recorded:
**6:03**
